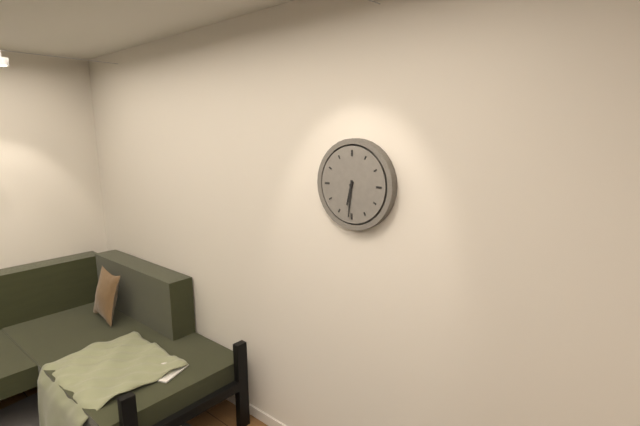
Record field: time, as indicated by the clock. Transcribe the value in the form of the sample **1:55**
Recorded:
**6:31**
